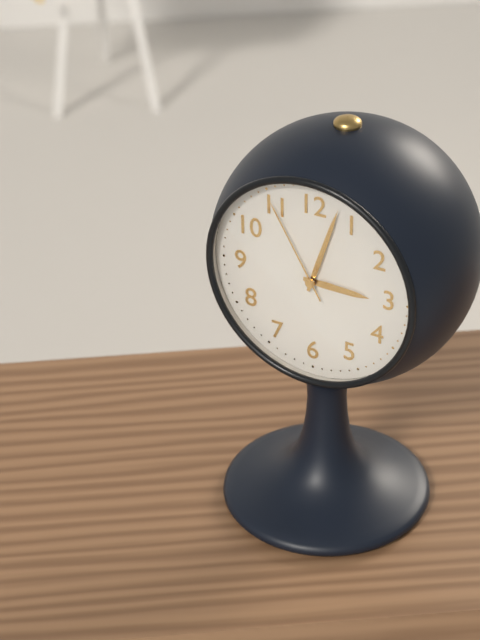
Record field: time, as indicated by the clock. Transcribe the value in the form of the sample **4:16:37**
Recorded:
**3:03:55**
